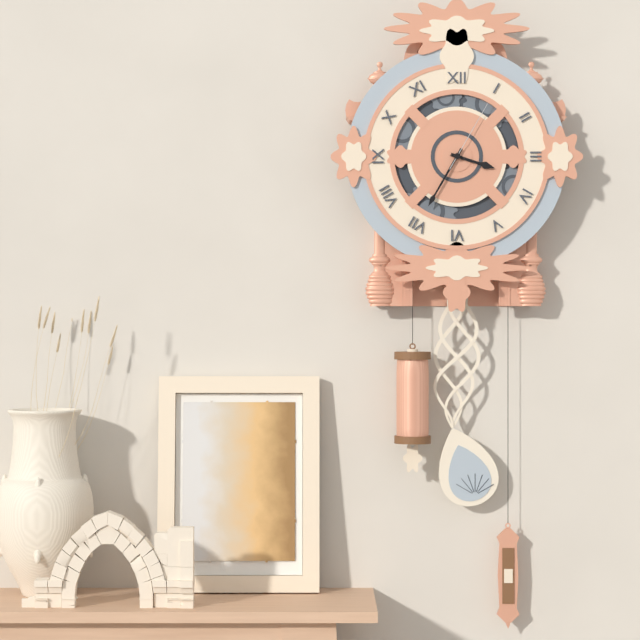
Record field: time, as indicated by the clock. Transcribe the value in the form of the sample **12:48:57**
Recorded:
**3:35:05**
